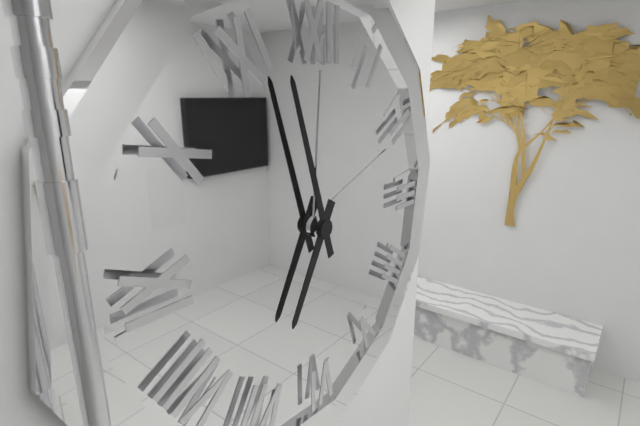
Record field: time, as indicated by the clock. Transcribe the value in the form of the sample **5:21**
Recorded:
**6:57**
